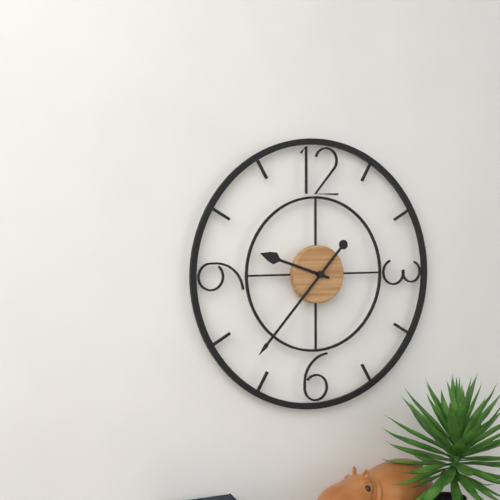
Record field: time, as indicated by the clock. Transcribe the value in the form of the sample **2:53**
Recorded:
**9:37**
